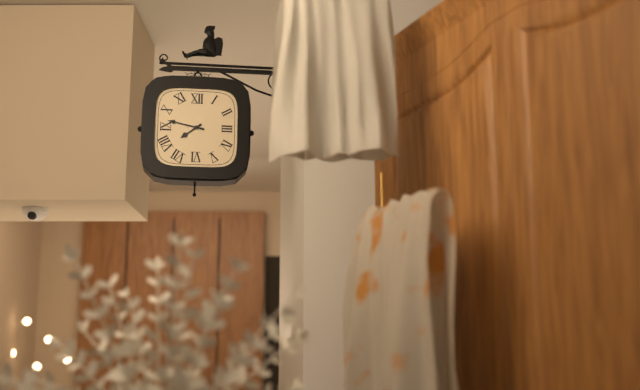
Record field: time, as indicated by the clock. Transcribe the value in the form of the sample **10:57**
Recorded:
**7:47**
